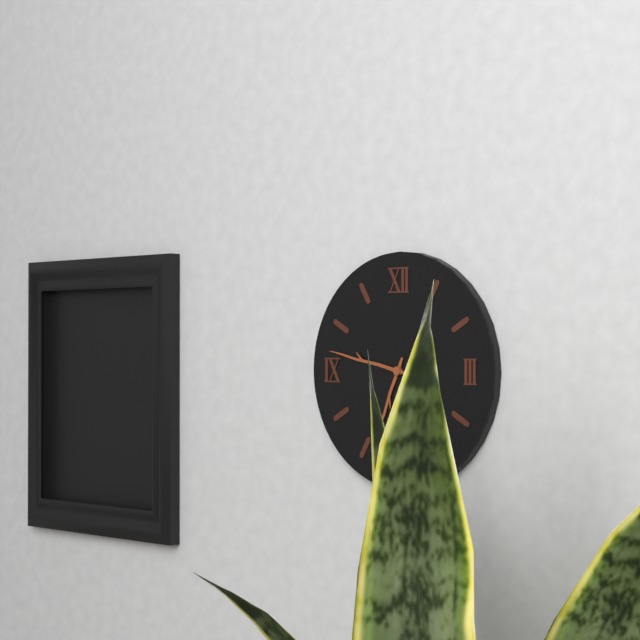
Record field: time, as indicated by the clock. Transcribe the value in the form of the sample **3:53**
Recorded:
**6:47**
